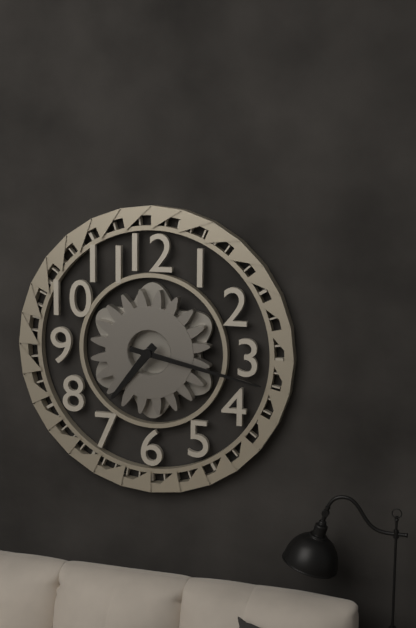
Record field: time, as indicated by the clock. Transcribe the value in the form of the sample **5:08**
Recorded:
**7:17**
